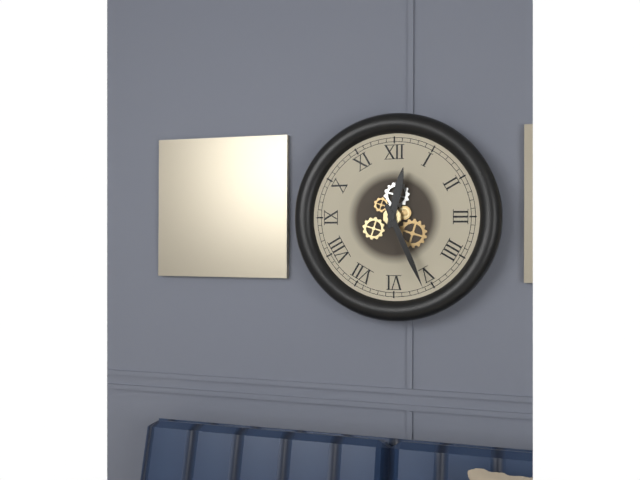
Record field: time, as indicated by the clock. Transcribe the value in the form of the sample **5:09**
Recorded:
**12:26**
